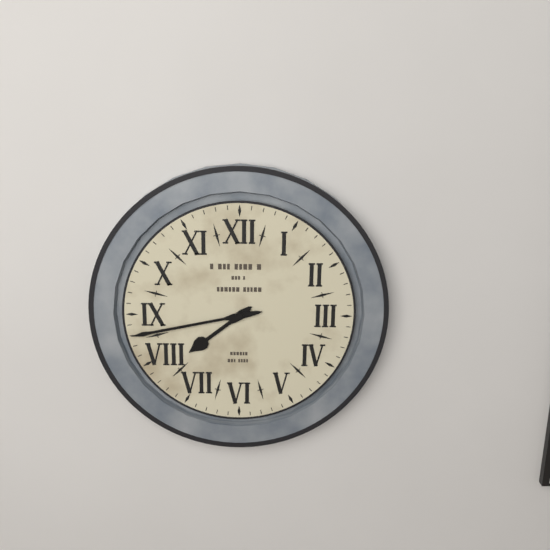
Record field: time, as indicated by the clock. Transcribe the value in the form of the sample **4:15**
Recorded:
**7:43**
